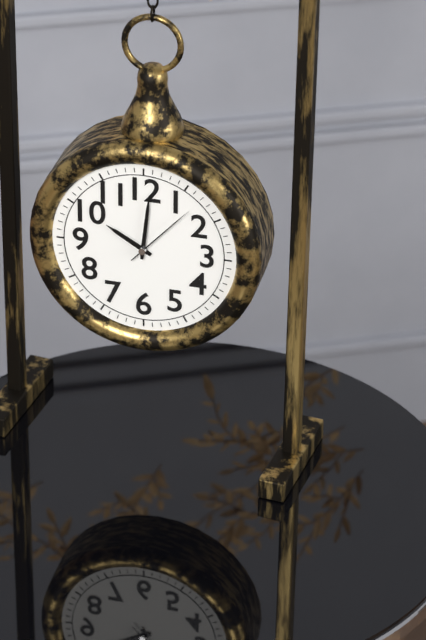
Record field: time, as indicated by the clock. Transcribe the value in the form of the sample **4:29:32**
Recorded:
**10:01:07**
